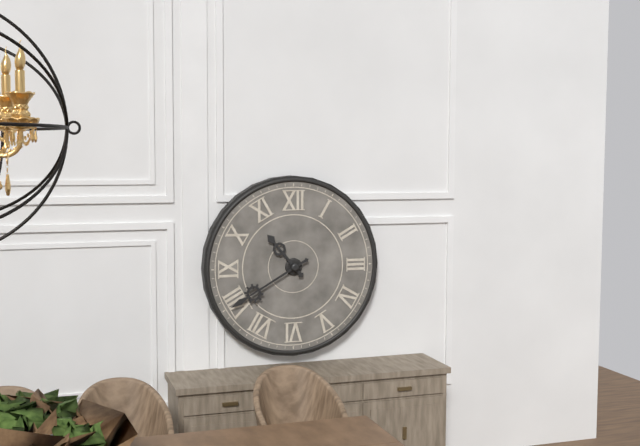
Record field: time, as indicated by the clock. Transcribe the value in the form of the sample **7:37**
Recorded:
**10:40**
